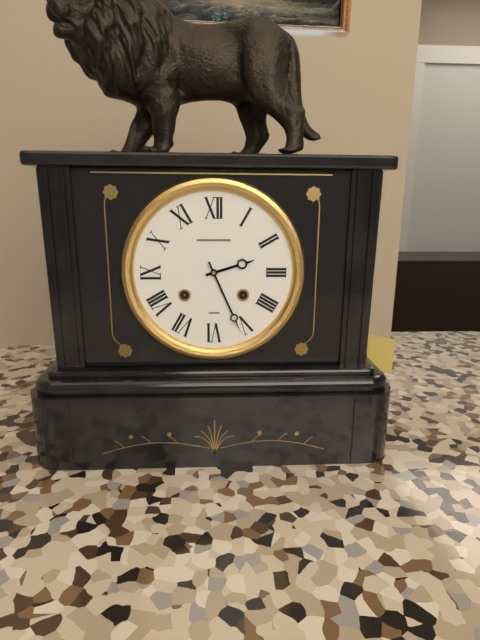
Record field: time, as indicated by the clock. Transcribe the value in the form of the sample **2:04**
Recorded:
**2:26**
